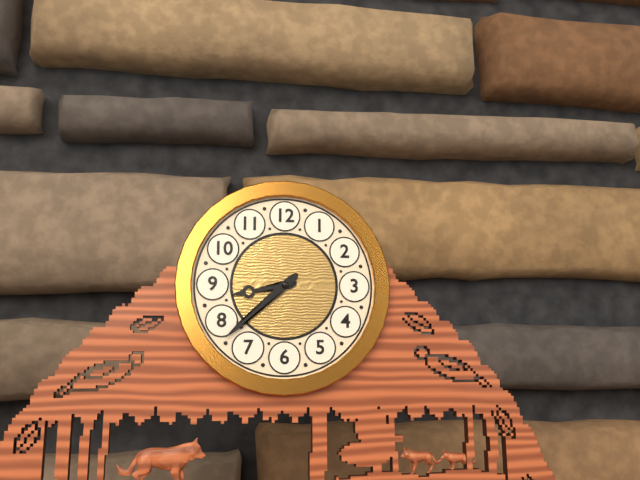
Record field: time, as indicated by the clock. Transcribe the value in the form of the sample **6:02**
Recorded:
**8:38**
